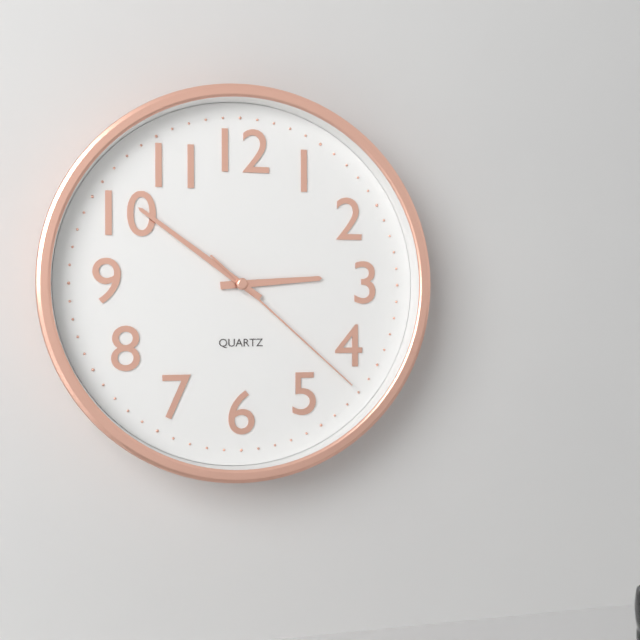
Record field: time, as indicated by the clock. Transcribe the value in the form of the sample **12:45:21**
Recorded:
**2:51:22**
